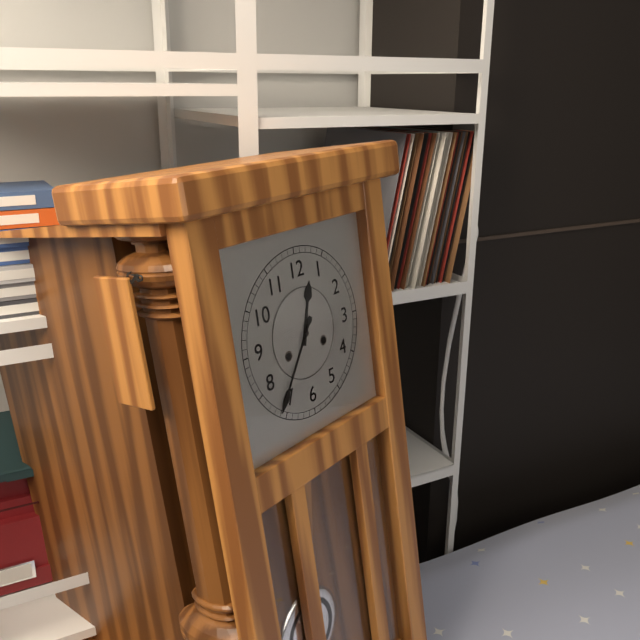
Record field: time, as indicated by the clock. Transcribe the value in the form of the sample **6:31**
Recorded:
**12:36**
